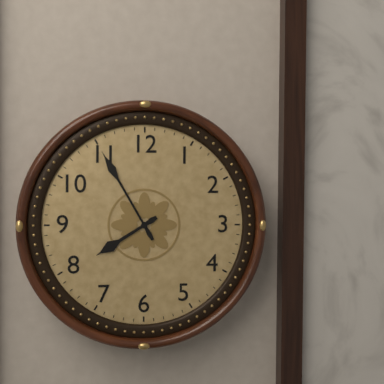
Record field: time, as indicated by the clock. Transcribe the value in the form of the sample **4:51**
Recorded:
**7:55**
